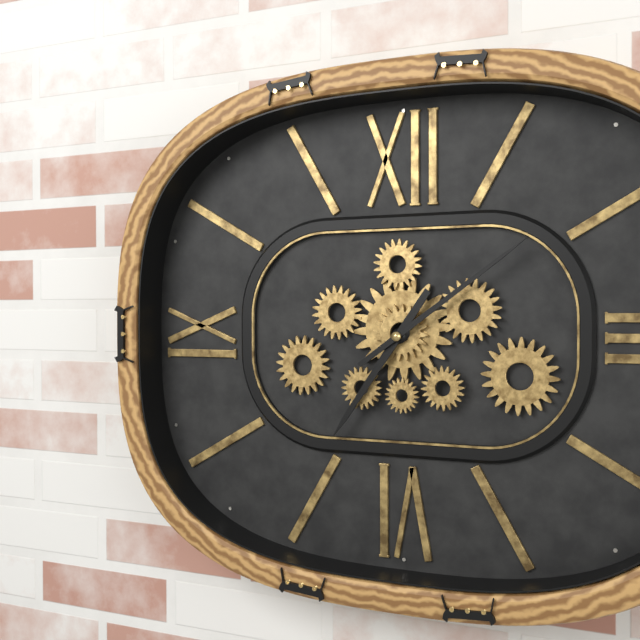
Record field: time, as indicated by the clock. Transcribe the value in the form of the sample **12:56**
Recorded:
**7:09**
